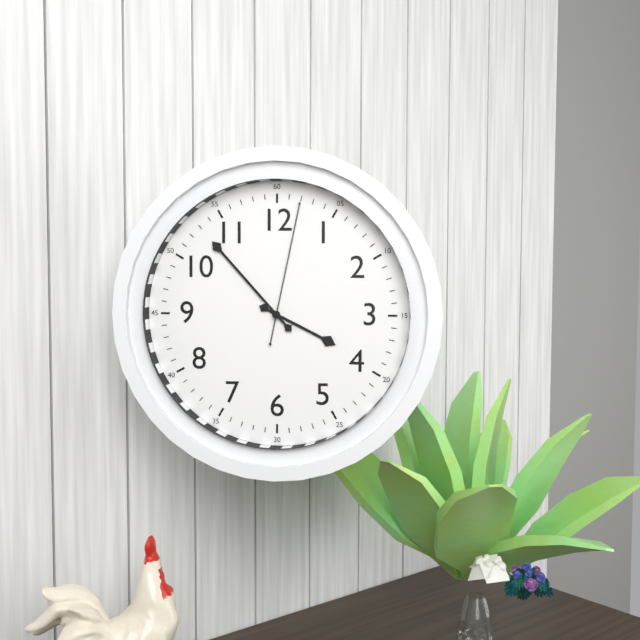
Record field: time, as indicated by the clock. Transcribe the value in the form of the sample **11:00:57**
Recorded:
**3:53:02**
